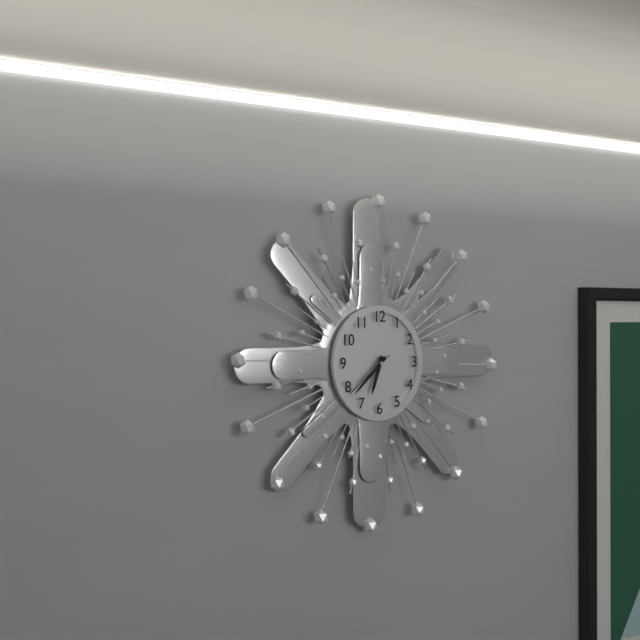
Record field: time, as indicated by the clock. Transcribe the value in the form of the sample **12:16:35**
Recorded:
**6:38:39**
